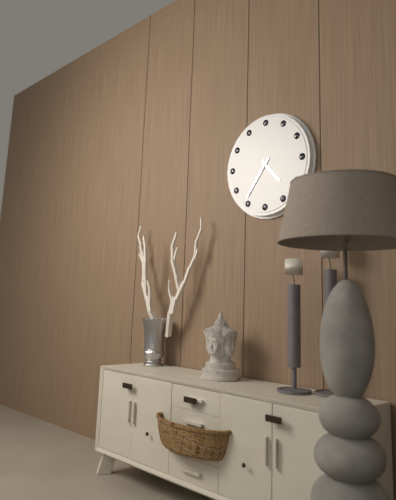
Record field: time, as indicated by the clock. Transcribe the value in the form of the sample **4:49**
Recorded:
**4:36**
